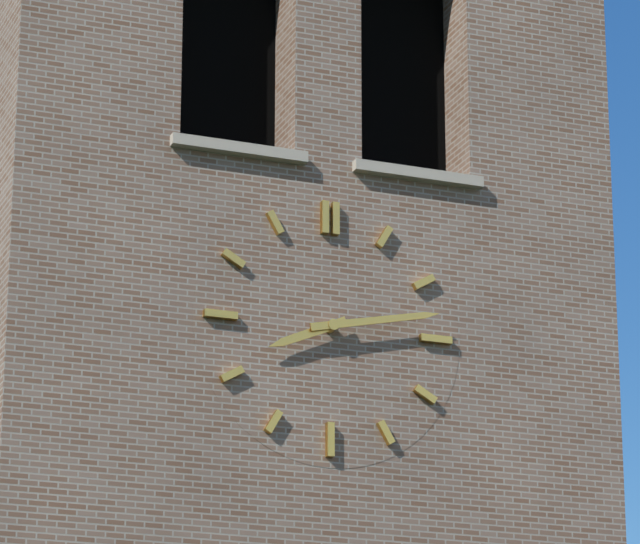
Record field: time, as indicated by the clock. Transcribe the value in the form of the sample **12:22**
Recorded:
**8:13**
